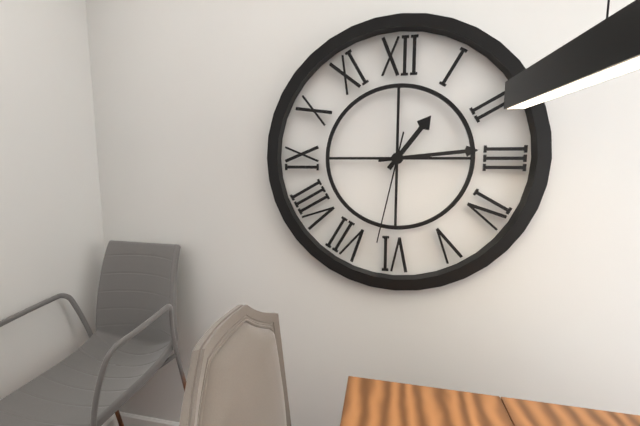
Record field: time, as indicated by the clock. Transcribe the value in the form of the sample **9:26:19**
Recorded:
**1:14:32**
